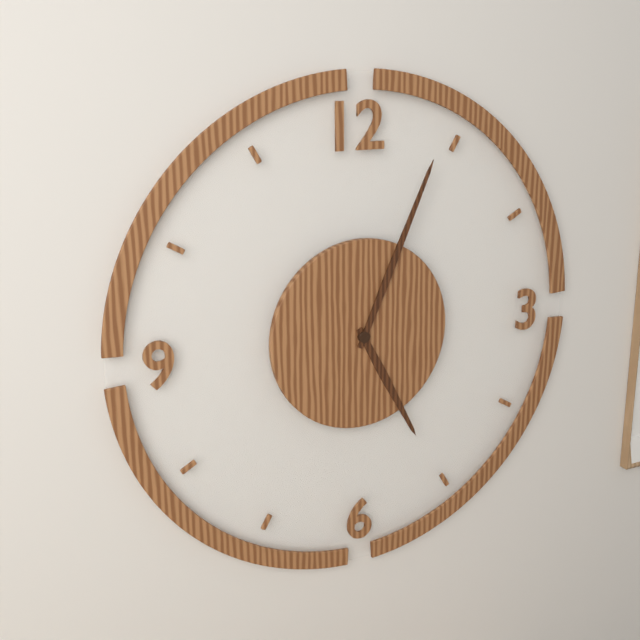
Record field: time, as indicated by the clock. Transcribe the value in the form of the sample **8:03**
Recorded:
**5:04**
